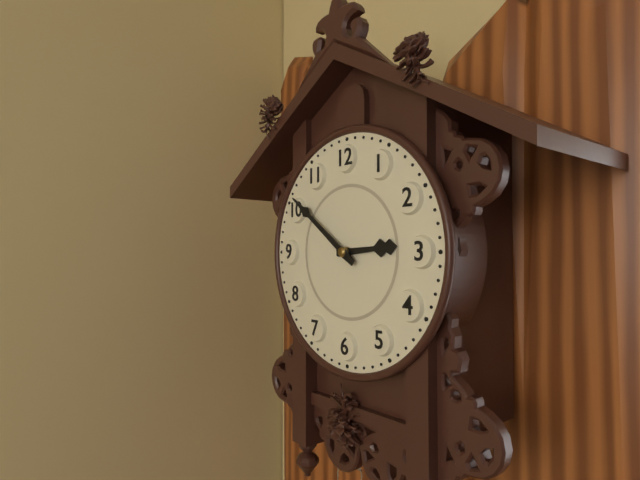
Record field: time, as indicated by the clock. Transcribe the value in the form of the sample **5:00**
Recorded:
**2:51**
